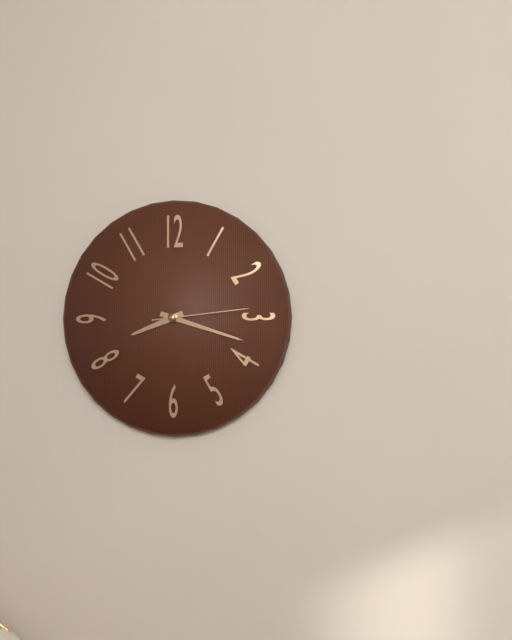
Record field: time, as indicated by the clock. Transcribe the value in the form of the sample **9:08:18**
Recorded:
**8:18:14**
